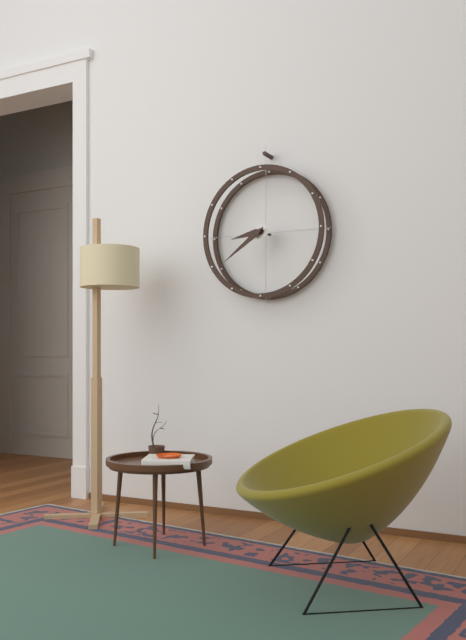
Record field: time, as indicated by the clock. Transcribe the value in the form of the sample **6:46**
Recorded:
**8:39**
